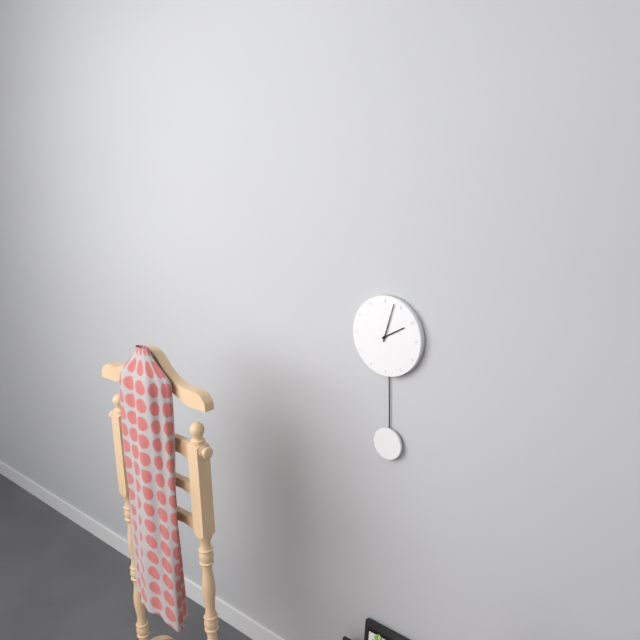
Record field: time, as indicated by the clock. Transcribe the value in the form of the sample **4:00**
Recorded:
**2:03**
